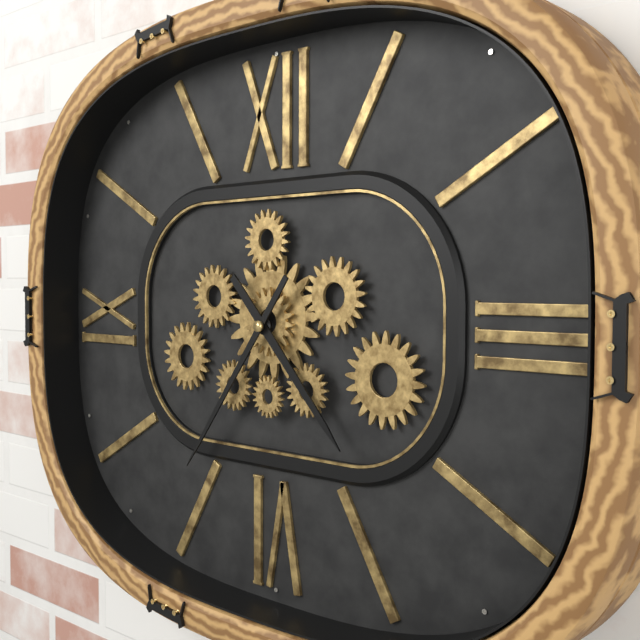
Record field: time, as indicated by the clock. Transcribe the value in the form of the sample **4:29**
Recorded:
**4:36**
